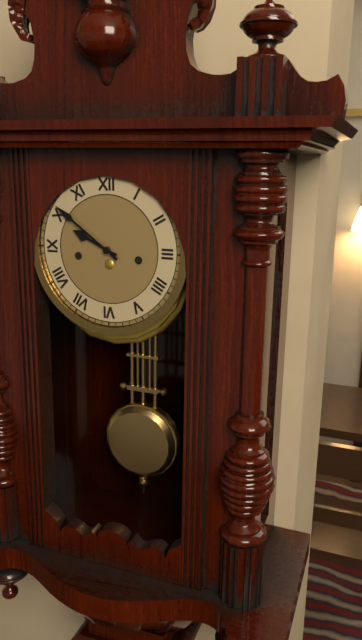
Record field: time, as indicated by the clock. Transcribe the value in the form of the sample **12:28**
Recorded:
**9:51**
